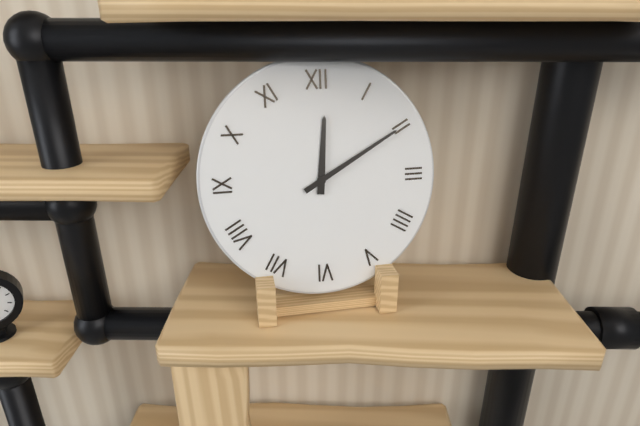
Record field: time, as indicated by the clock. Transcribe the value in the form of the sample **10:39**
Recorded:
**12:10**
